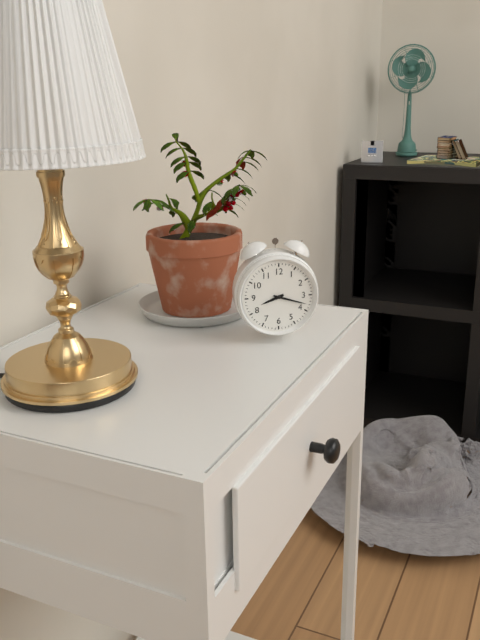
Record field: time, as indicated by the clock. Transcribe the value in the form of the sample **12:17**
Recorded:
**8:18**
